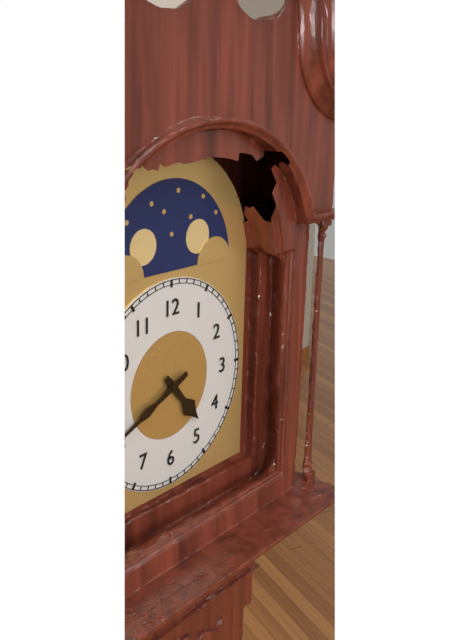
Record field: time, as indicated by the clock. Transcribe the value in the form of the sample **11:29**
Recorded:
**4:41**
